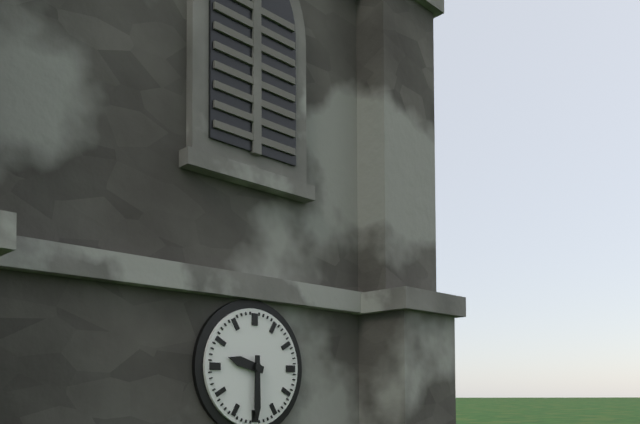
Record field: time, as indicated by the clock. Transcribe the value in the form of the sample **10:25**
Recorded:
**9:30**
